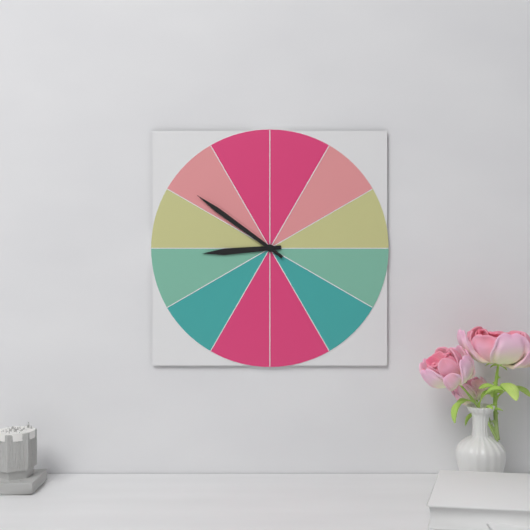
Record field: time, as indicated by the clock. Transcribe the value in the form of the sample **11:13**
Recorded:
**8:51**
